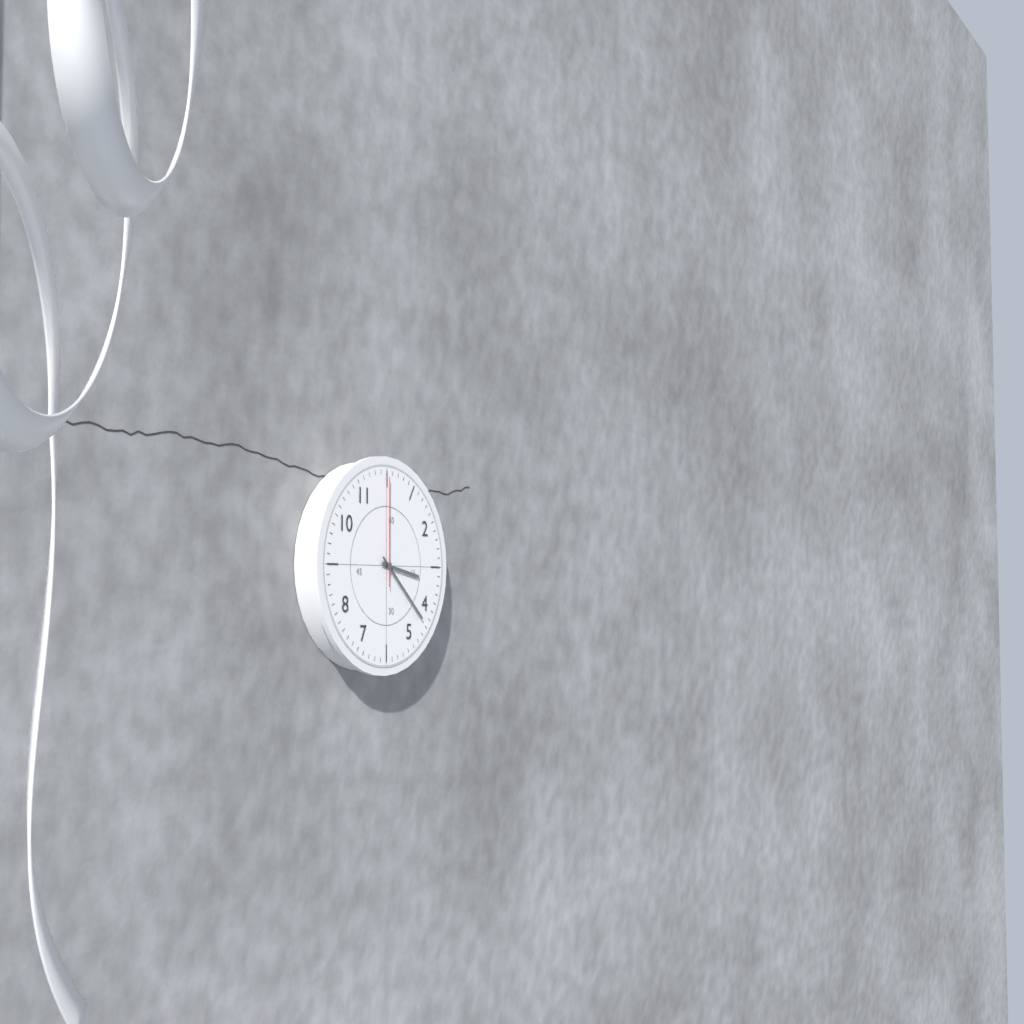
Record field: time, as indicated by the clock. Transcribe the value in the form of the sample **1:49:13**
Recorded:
**3:22:00**
